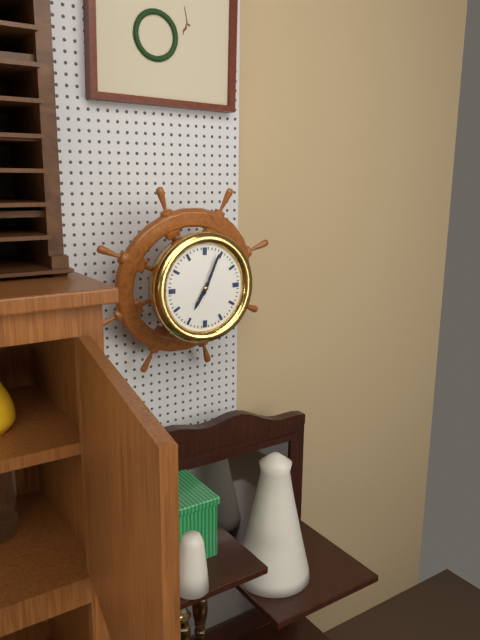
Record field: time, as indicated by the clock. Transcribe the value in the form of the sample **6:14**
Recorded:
**7:04**
